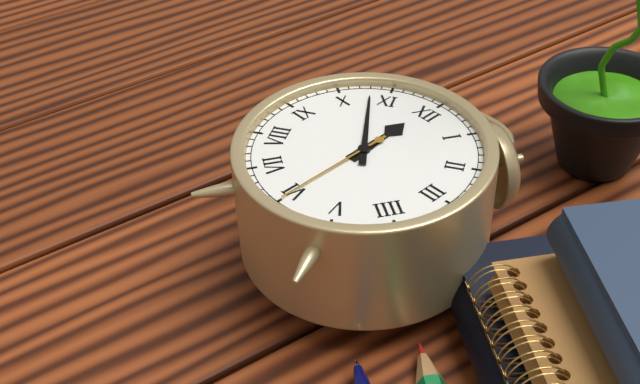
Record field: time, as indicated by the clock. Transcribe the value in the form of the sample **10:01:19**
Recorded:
**11:53:30**
